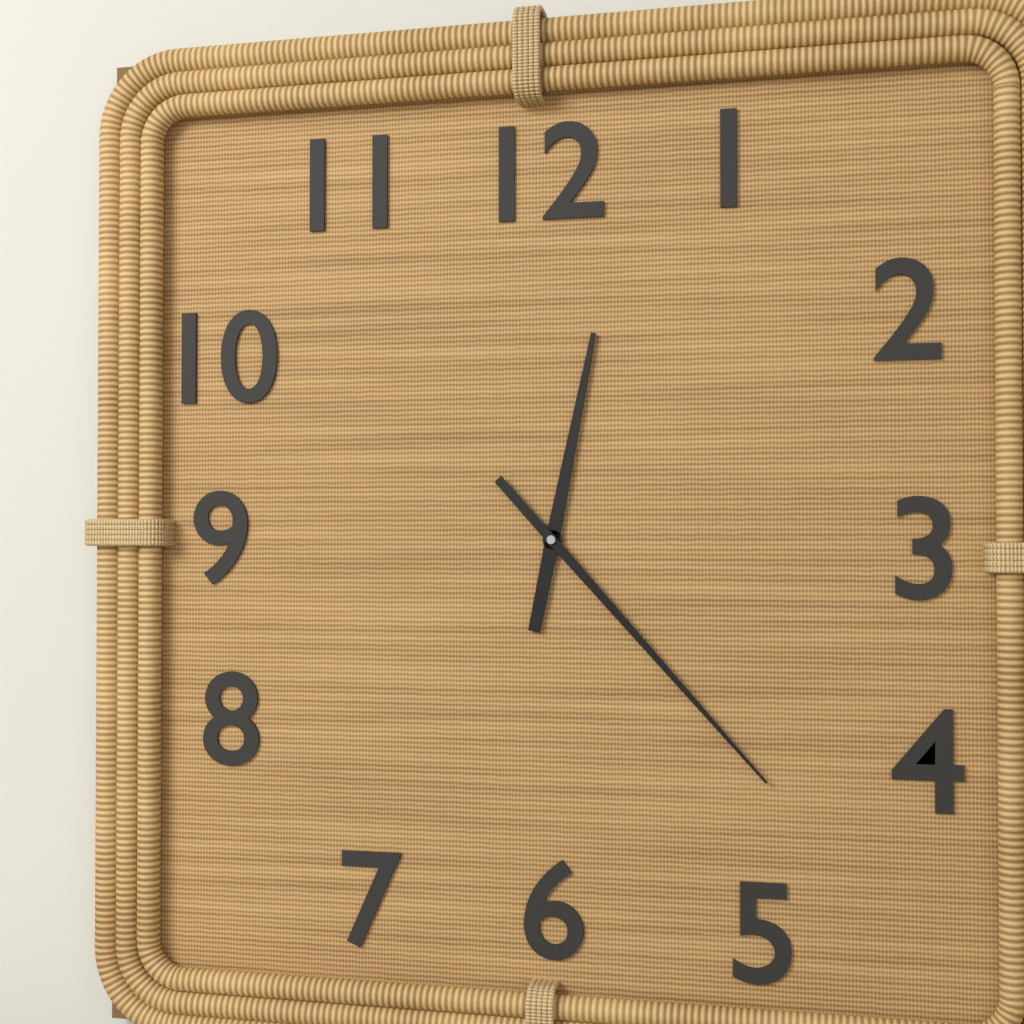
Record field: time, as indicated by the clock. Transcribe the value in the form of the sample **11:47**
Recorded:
**12:23**
